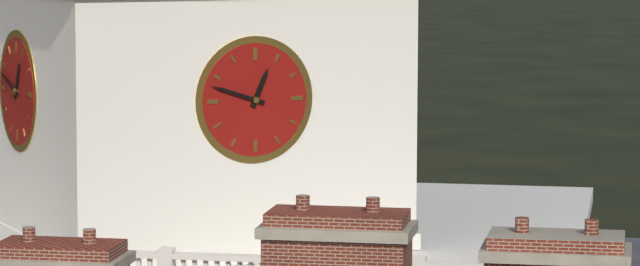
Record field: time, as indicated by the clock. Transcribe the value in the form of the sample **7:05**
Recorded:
**12:48**
